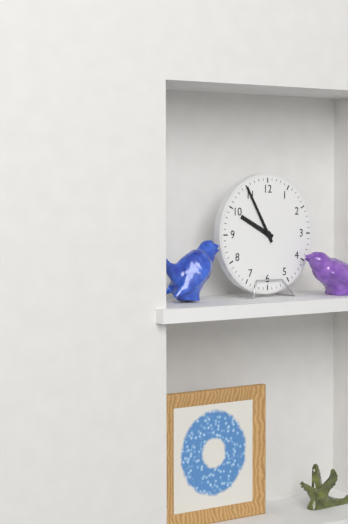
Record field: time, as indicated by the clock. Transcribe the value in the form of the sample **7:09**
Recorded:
**9:55**
